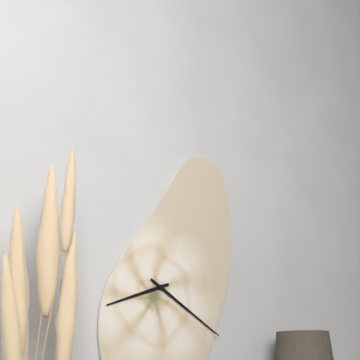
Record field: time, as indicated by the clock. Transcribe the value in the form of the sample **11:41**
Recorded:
**8:20**
